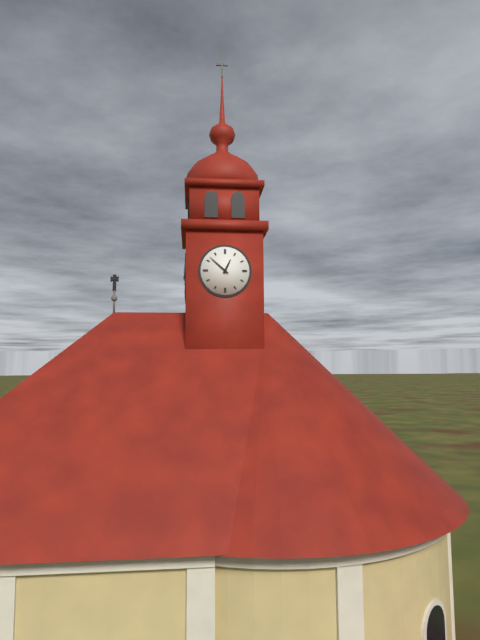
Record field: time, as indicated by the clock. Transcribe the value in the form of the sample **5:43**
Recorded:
**12:52**
